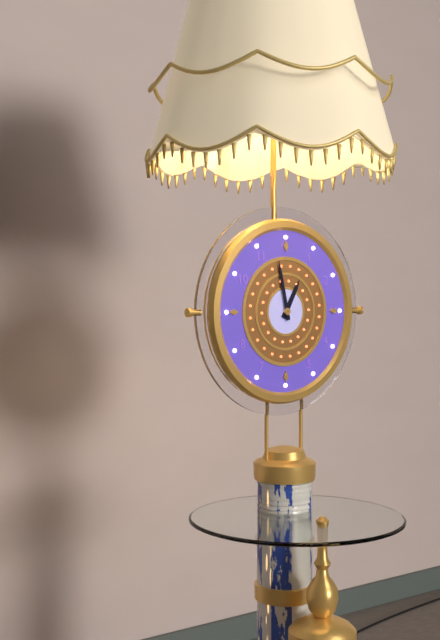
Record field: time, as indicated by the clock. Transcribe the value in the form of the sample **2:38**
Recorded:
**12:58**
